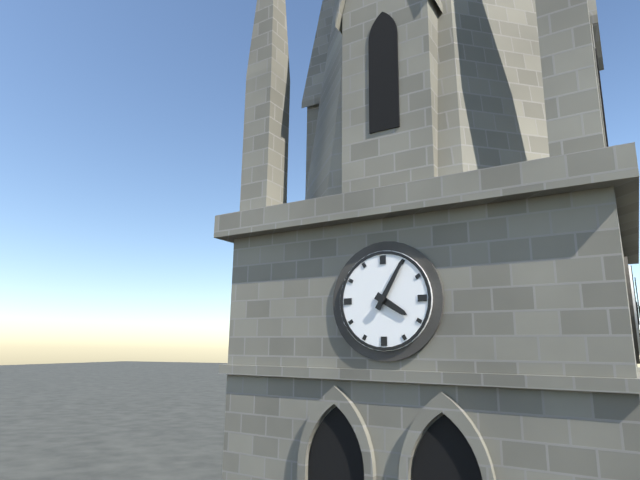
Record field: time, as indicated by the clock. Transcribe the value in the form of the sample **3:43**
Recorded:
**4:05**
